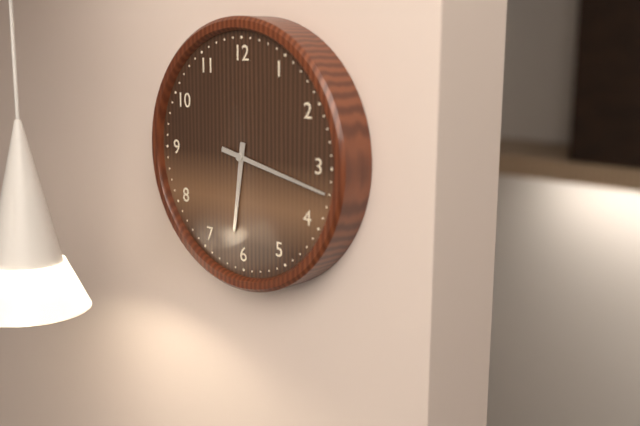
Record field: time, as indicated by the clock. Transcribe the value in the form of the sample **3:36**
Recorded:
**6:17**
